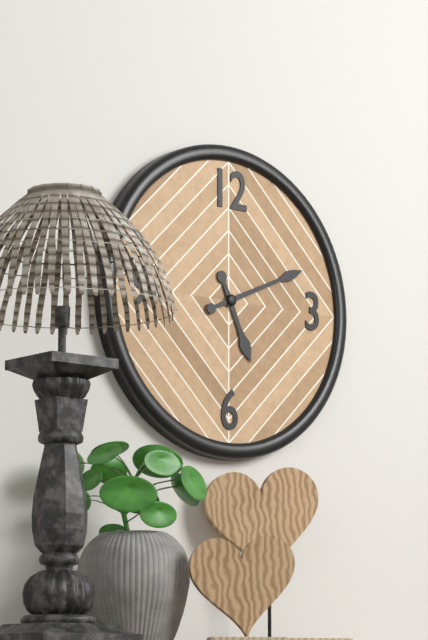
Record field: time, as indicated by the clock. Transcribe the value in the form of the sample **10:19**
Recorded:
**5:11**
